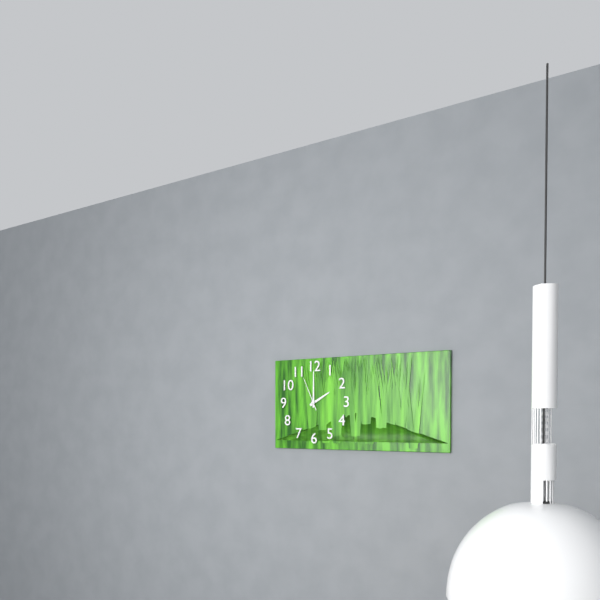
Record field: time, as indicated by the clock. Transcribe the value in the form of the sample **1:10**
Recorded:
**2:00**
